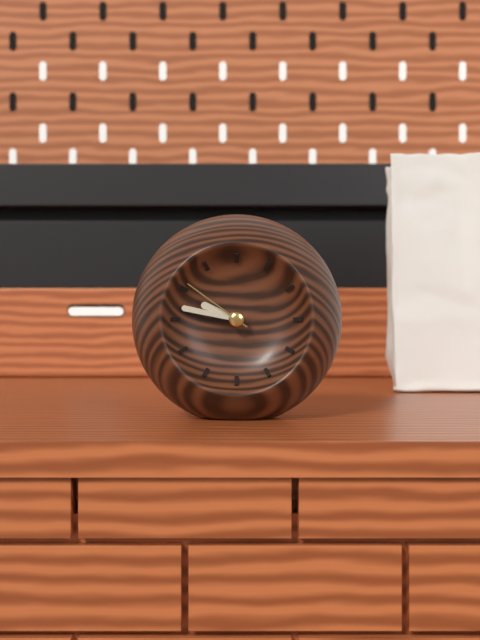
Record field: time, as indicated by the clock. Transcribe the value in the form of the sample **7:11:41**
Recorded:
**9:47:51**
